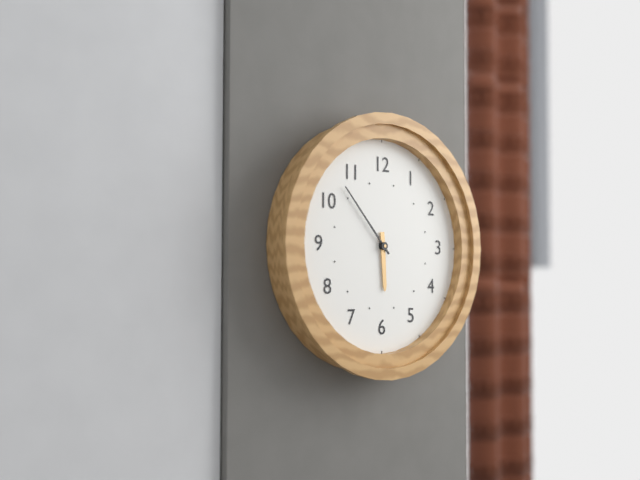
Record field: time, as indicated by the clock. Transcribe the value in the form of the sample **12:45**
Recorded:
**5:53**
